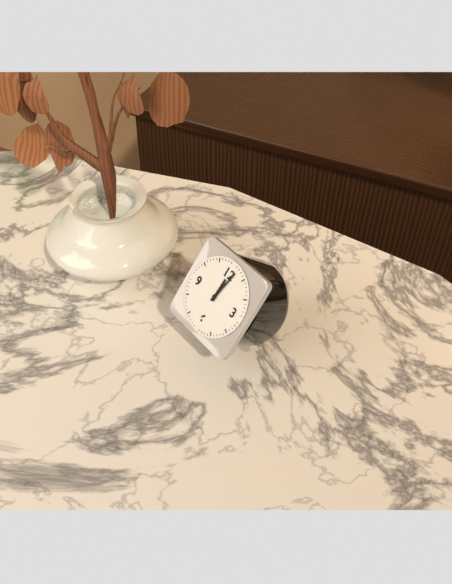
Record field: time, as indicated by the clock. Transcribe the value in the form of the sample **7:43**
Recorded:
**12:02**
